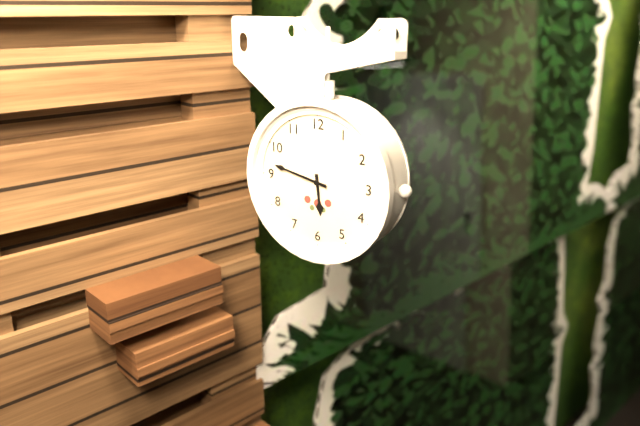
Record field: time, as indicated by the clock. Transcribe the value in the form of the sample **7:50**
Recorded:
**5:47**
